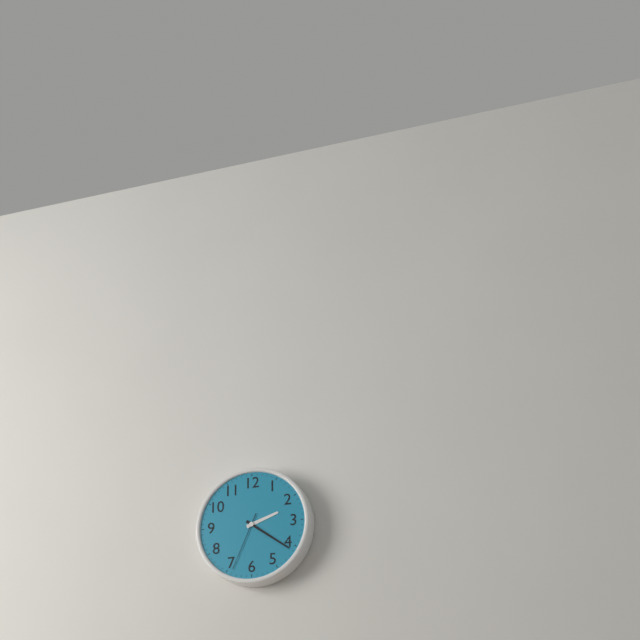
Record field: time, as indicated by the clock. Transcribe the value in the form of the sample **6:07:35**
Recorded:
**2:21:34**
